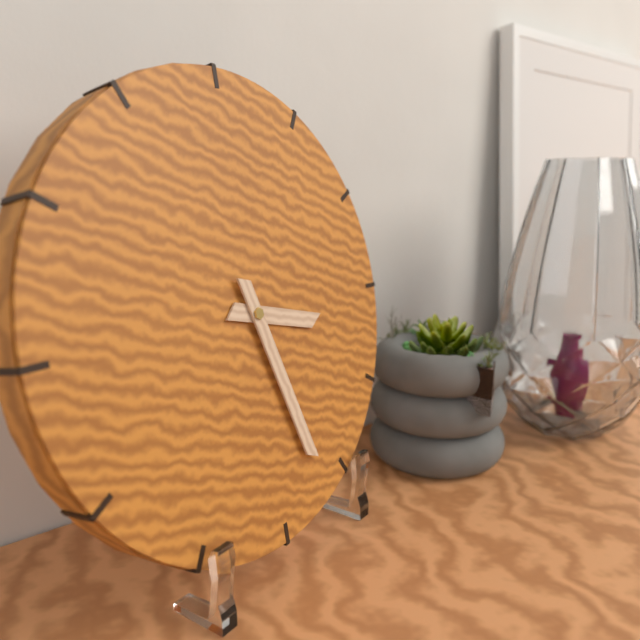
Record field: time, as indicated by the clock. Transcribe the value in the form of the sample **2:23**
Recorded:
**3:27**
